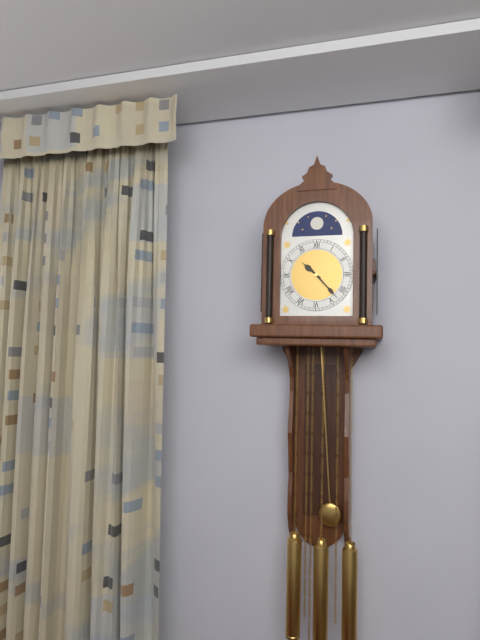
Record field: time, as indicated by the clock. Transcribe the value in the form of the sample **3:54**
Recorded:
**10:23**
